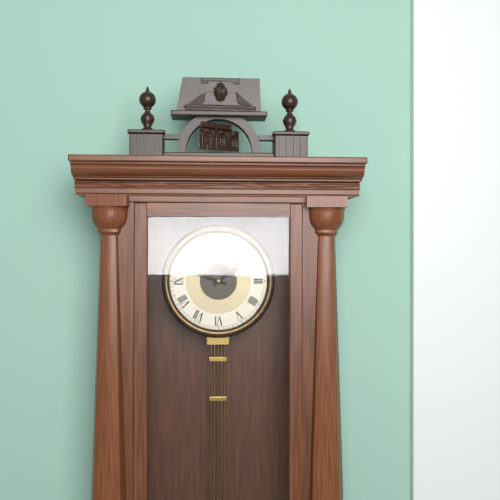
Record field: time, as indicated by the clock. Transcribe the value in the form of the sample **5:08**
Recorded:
**1:48**
